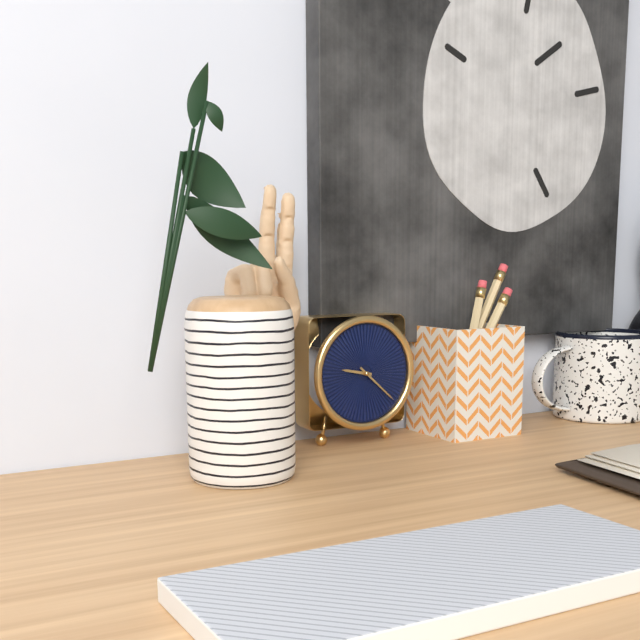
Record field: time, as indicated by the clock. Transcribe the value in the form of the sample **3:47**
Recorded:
**9:22**
